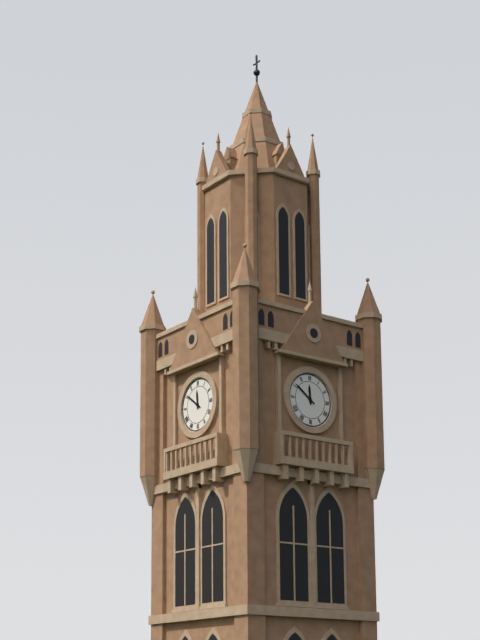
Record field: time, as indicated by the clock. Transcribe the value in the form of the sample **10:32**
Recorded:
**11:51**
